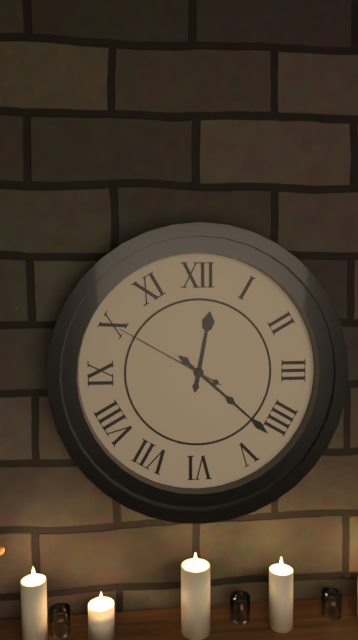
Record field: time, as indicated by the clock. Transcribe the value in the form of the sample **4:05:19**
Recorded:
**12:22:50**
